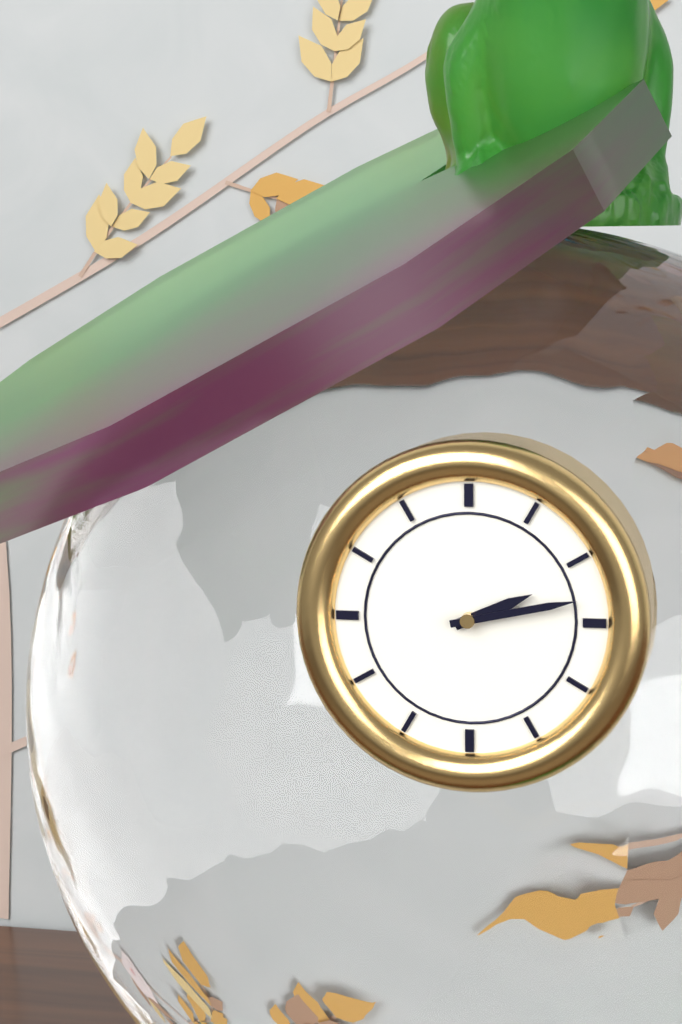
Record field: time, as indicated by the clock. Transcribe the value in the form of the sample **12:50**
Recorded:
**2:13**
